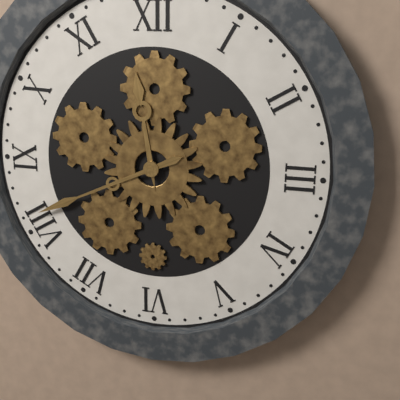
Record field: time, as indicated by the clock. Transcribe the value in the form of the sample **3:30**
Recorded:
**11:41**
